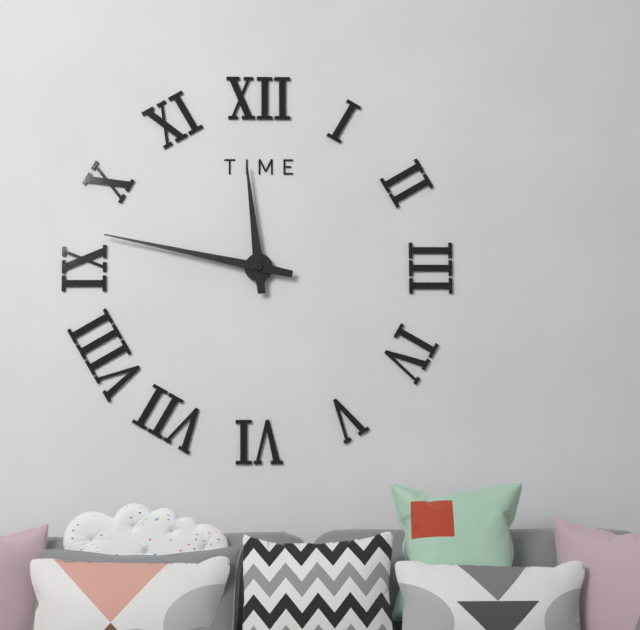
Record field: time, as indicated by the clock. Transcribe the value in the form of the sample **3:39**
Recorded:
**11:47**
